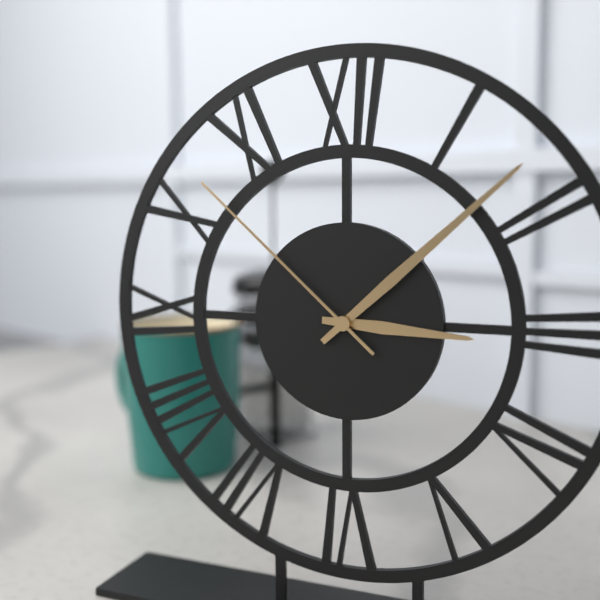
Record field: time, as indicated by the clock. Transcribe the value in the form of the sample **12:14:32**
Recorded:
**3:08:52**
